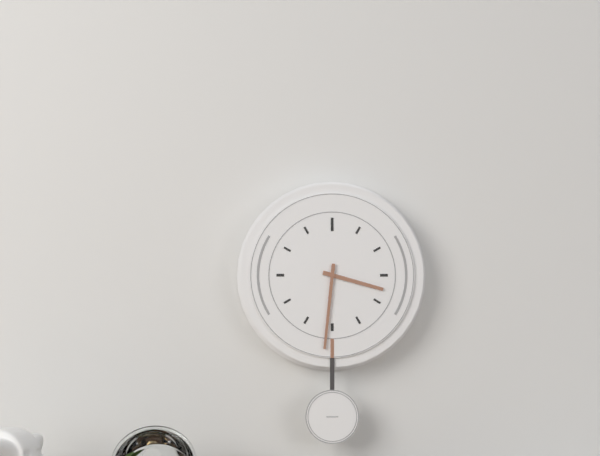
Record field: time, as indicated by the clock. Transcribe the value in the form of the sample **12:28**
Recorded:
**3:31**
